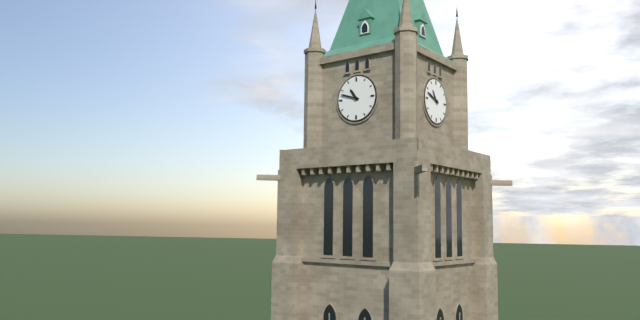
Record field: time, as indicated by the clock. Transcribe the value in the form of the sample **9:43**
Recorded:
**10:48**
